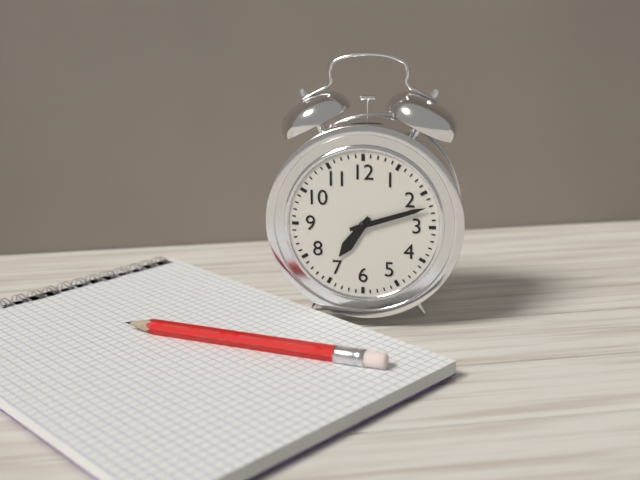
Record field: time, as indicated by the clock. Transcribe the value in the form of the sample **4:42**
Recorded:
**7:12**
